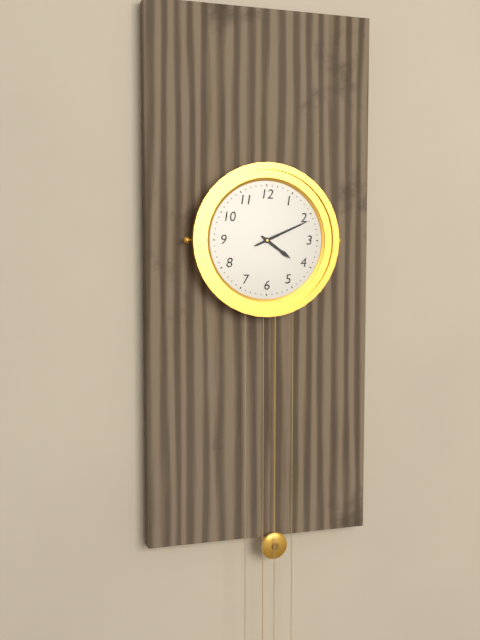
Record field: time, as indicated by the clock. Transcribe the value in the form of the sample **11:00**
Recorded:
**4:11**
